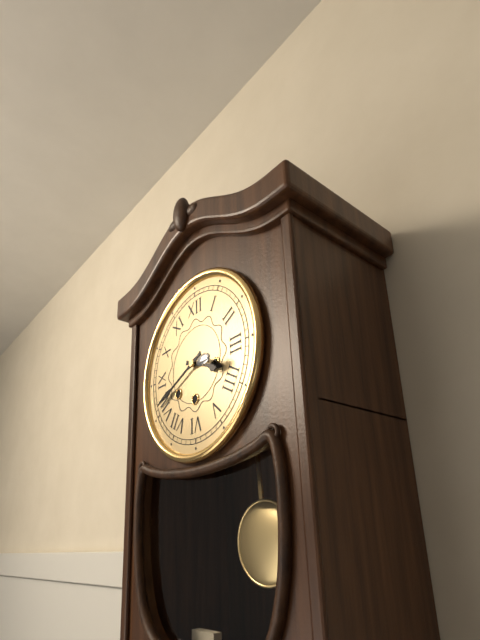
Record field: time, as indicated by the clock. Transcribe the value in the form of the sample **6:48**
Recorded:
**3:41**
